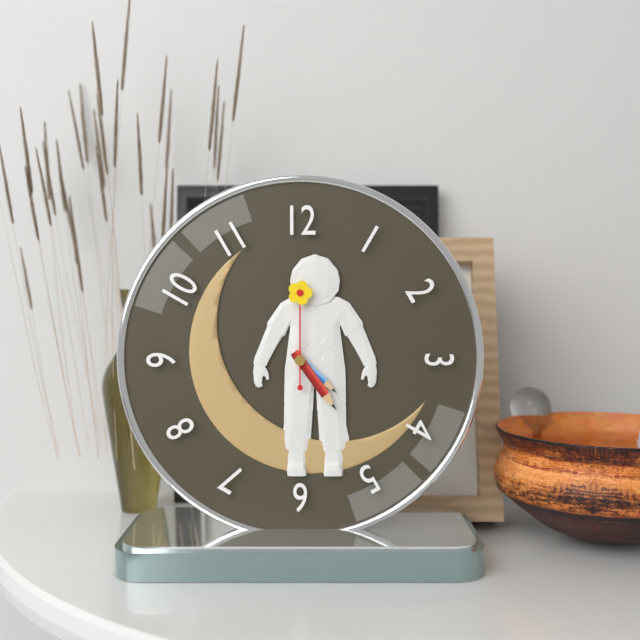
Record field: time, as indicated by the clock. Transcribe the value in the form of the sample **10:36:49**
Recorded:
**4:24:00**
